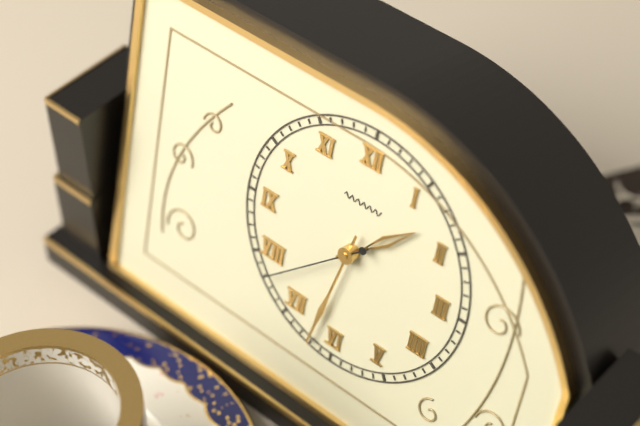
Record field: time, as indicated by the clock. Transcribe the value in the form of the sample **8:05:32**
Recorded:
**1:32:38**
